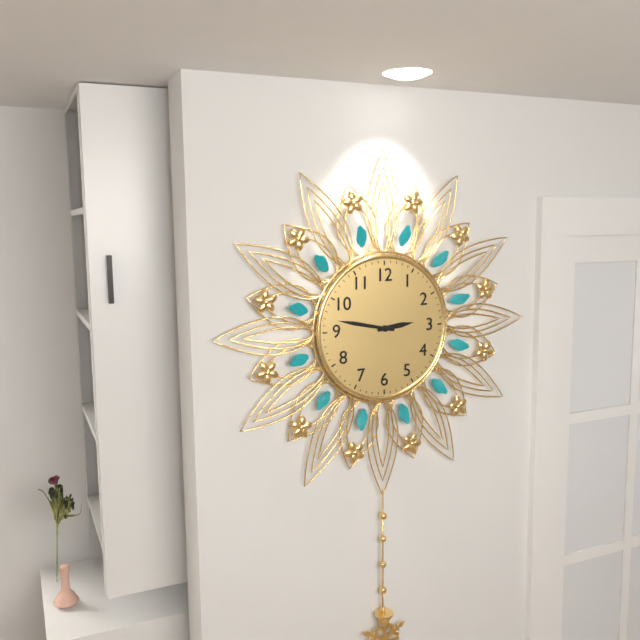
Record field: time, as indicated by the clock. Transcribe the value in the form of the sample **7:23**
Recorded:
**2:47**
